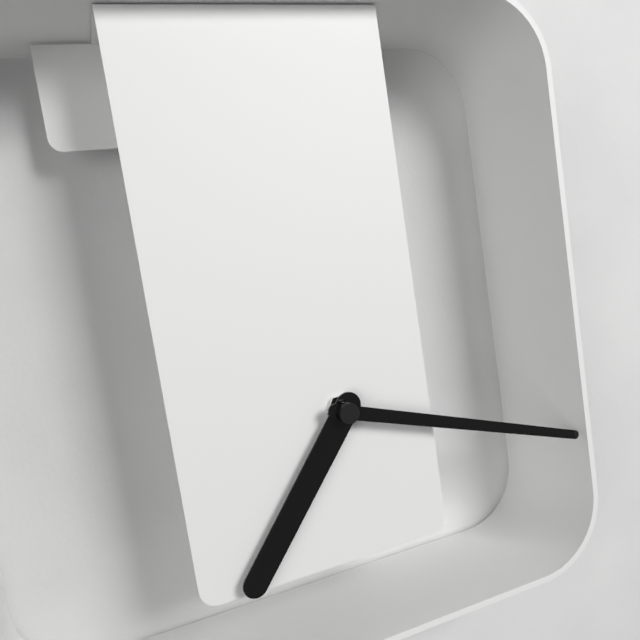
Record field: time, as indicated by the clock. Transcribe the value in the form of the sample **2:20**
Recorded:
**7:18**
